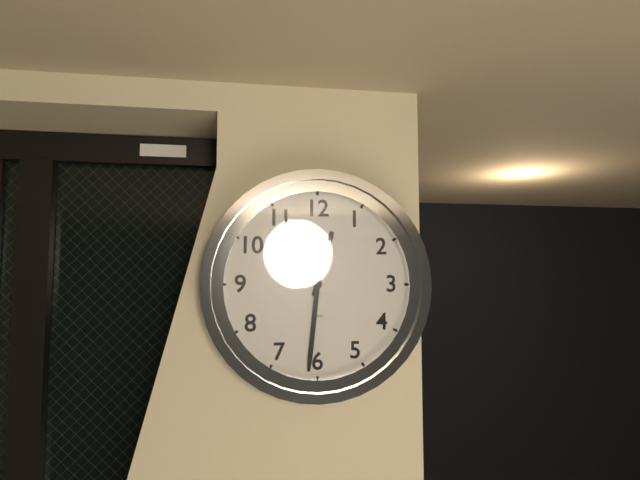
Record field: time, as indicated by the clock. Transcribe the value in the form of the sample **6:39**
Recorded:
**12:31**
